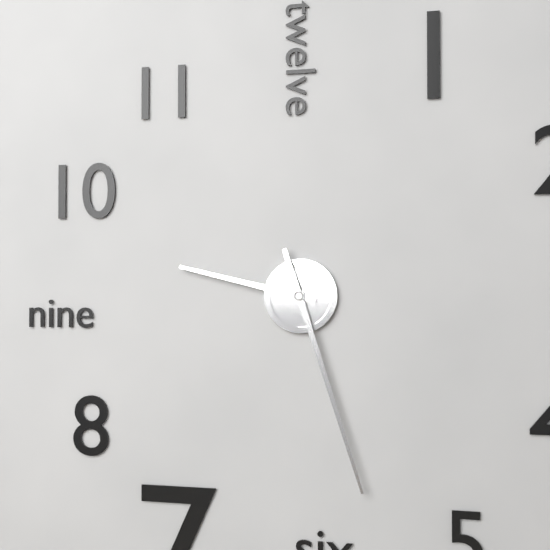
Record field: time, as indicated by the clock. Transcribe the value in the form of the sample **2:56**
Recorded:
**9:27**
